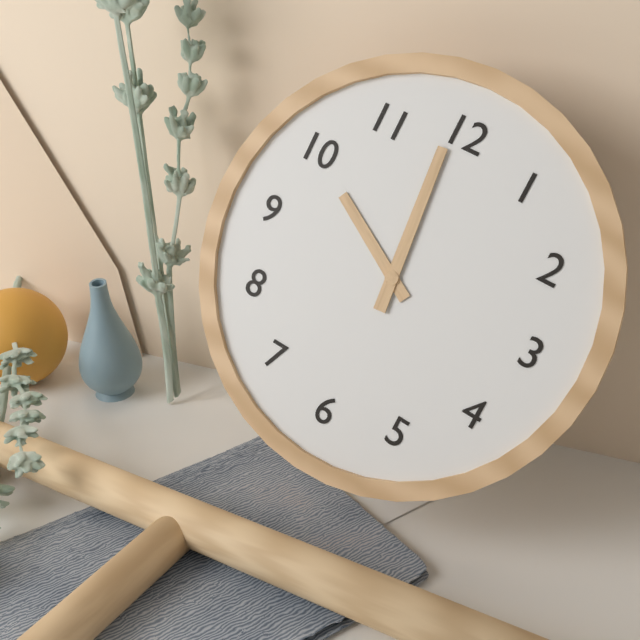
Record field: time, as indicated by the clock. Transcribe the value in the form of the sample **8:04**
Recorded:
**9:59**
